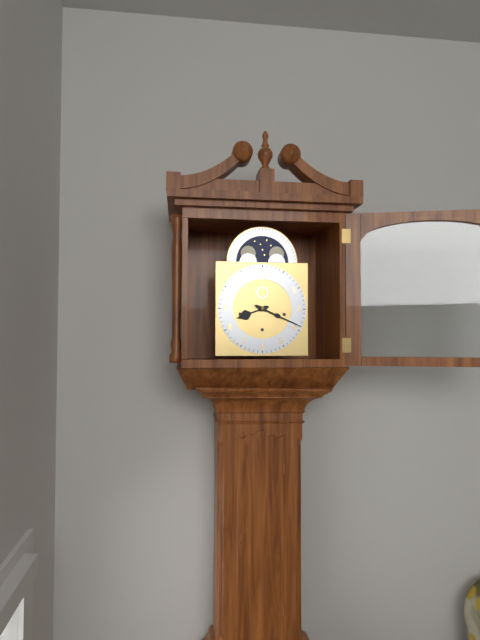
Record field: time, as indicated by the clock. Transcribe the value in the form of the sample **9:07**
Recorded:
**8:19**
